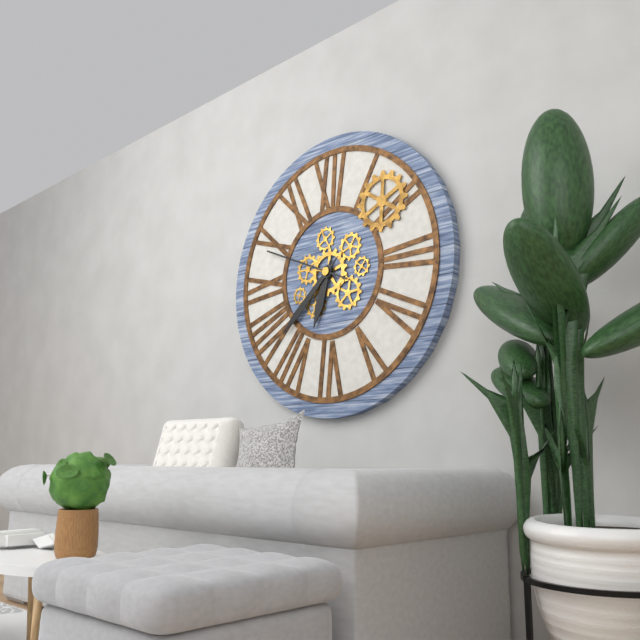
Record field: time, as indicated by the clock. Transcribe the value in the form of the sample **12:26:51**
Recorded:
**6:38:49**
